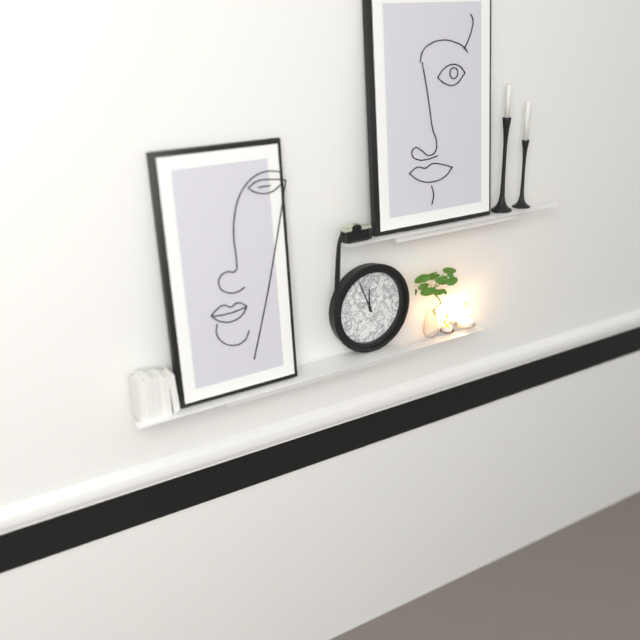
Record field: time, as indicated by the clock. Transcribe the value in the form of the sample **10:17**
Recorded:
**11:56**
